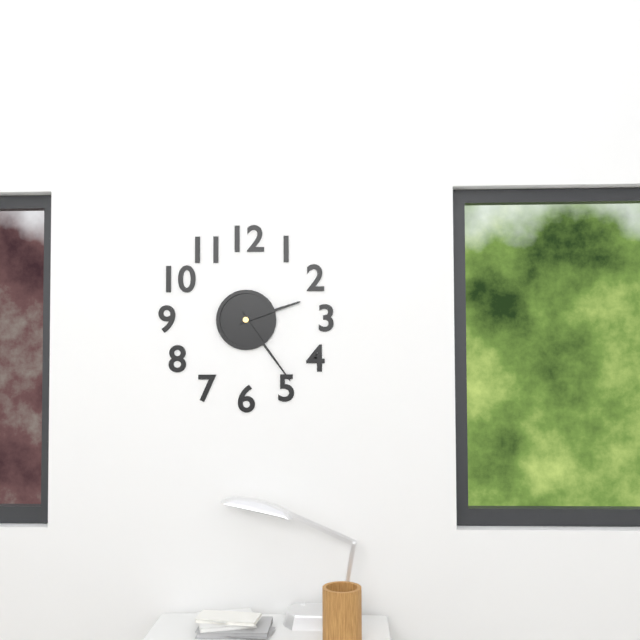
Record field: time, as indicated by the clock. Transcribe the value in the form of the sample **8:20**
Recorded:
**2:24**
